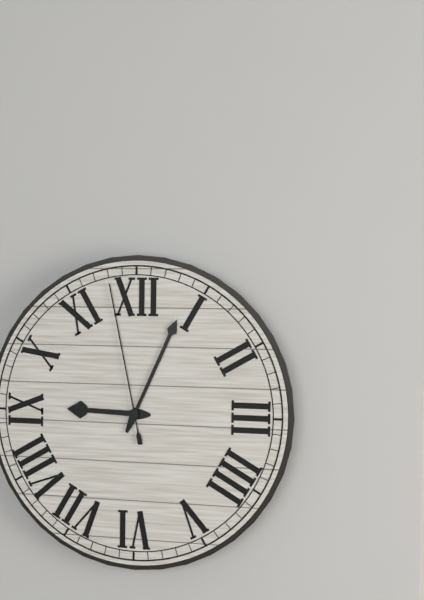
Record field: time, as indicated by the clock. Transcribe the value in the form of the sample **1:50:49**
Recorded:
**9:04:58**
